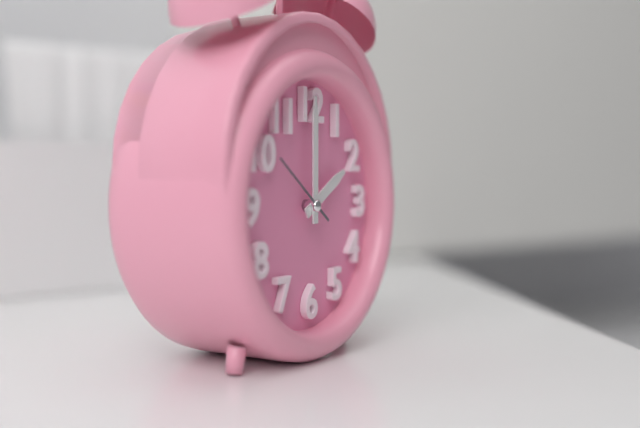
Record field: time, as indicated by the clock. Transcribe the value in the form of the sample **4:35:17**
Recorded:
**2:00:51**
